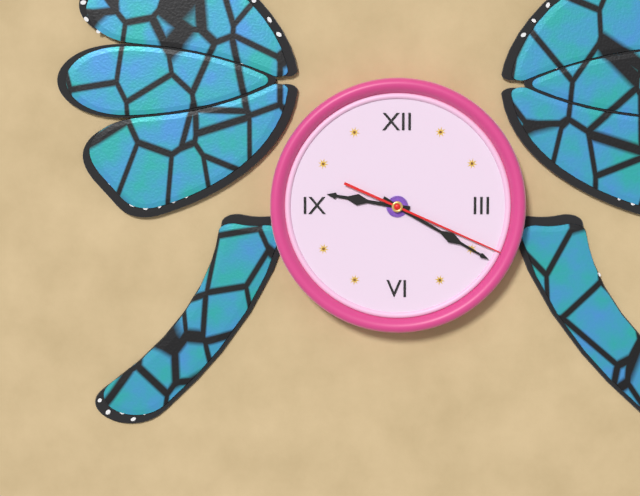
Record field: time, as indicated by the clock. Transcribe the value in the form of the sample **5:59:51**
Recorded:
**9:20:19**
